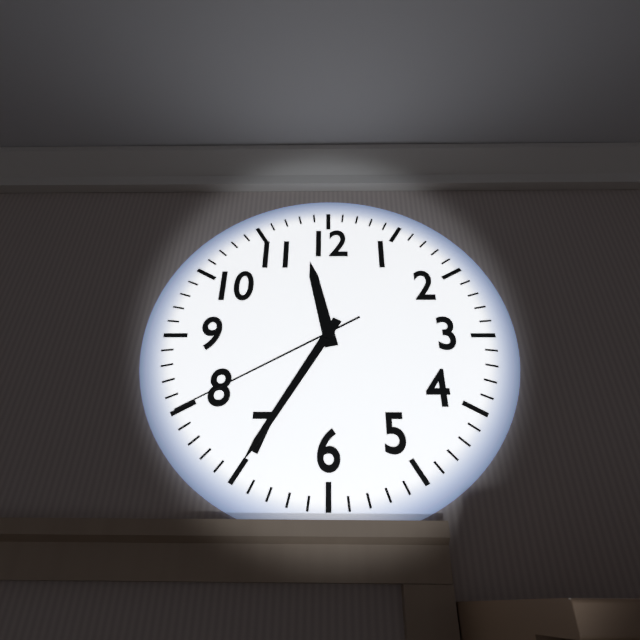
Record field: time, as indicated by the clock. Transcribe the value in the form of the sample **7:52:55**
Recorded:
**11:35:40**
